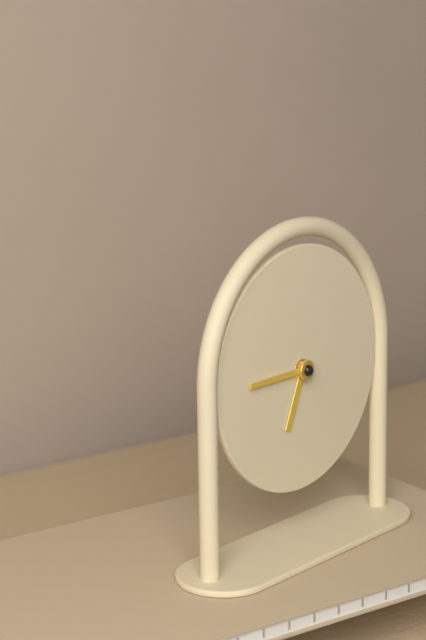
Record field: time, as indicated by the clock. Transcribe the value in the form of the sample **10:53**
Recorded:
**6:45**
